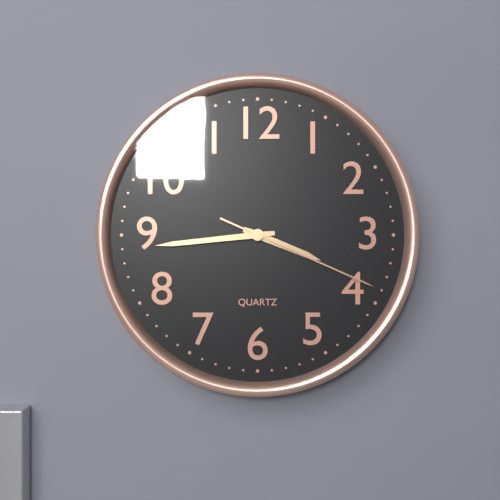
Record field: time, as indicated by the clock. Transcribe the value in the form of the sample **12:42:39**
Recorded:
**3:44:19**
